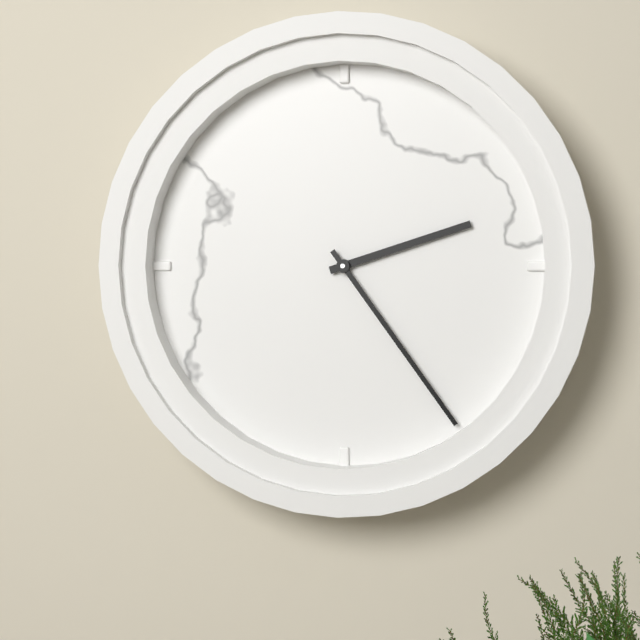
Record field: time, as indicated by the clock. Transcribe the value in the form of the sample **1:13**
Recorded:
**2:24**
